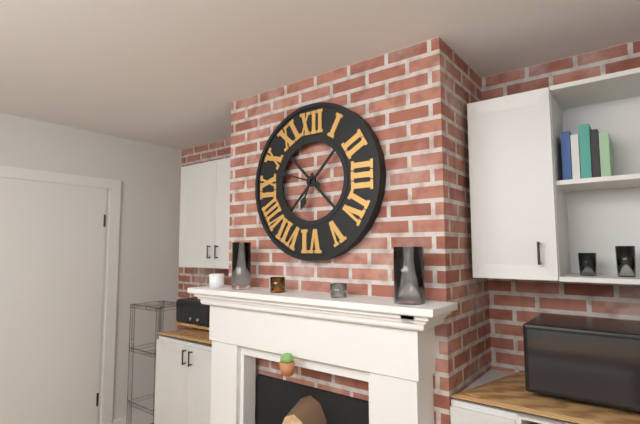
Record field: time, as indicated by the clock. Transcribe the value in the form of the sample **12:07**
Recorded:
**6:48**
